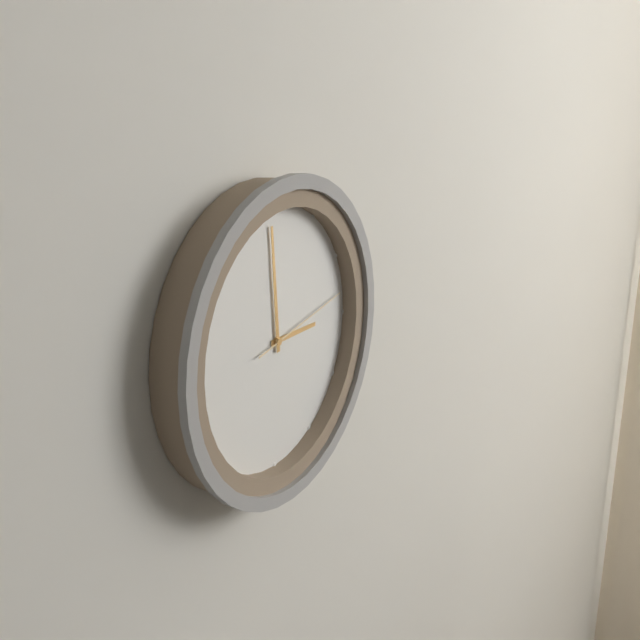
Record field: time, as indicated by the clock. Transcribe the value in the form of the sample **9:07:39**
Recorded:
**2:59:13**
